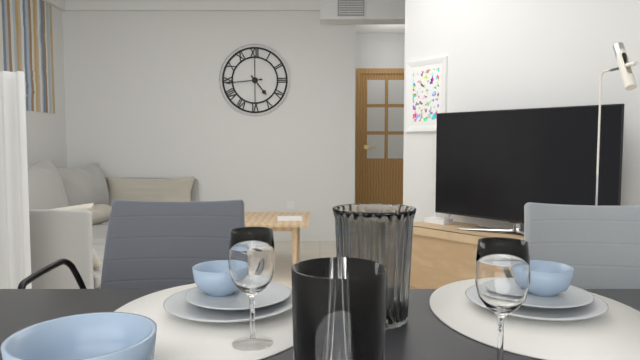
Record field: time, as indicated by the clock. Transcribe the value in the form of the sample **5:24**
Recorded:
**4:44**
